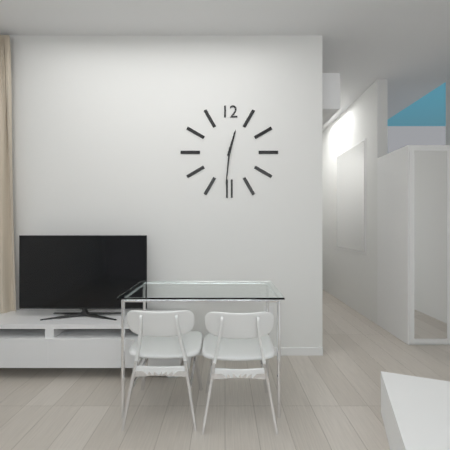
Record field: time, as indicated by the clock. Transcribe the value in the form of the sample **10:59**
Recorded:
**12:31**
